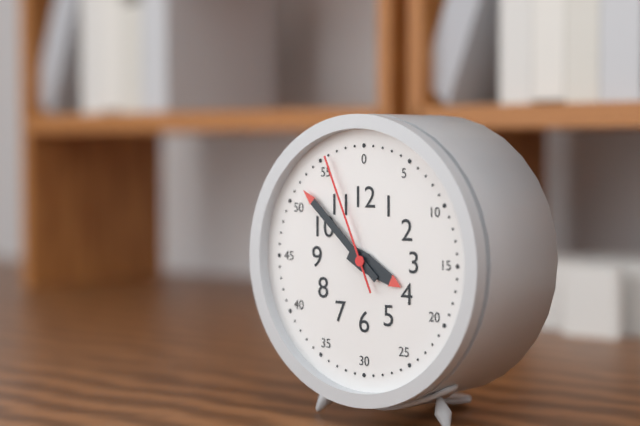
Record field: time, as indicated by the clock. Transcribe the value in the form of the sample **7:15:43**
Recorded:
**3:52:56**
